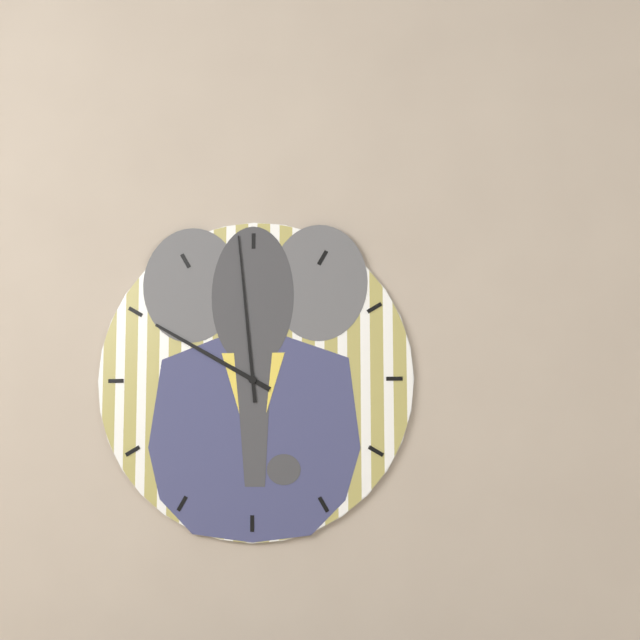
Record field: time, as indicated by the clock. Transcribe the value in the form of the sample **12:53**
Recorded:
**9:59**
